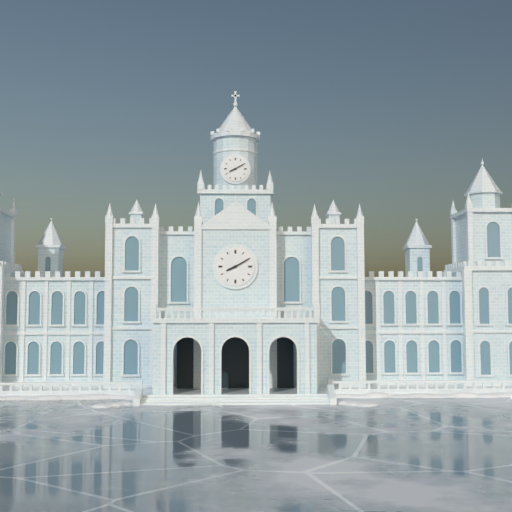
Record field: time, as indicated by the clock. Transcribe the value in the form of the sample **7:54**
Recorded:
**8:10**
